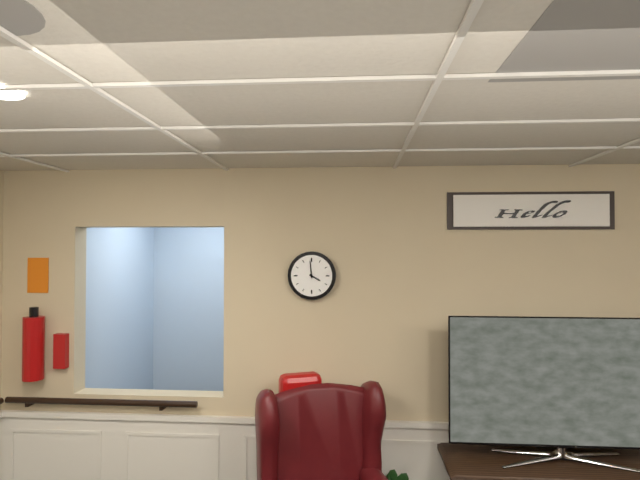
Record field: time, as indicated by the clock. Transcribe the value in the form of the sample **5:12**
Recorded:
**3:59**
